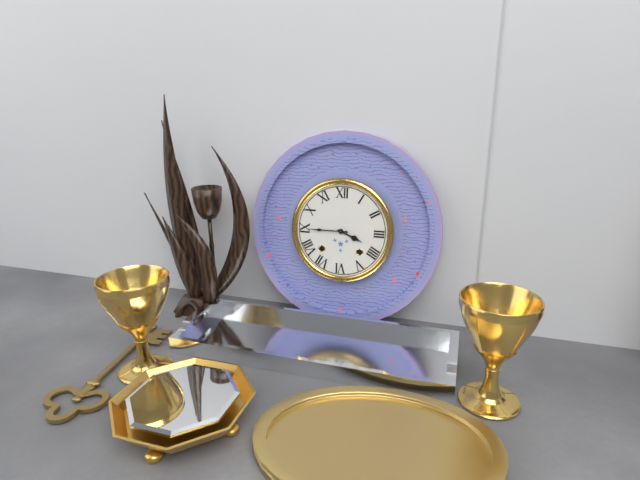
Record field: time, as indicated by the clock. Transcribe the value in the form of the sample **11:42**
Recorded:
**3:45**
